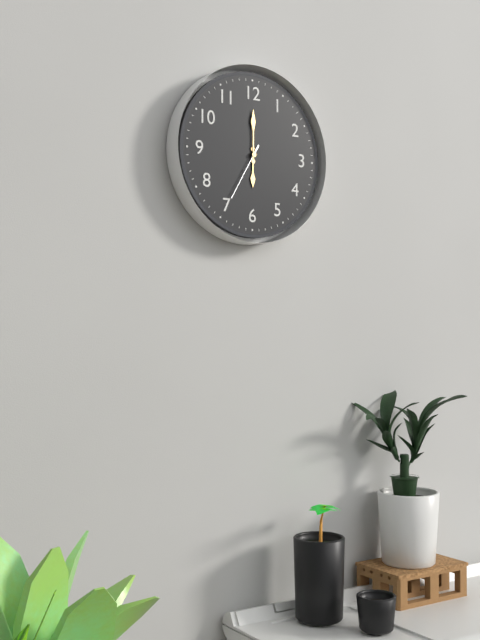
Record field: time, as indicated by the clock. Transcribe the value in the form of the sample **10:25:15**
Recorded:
**6:00:35**
